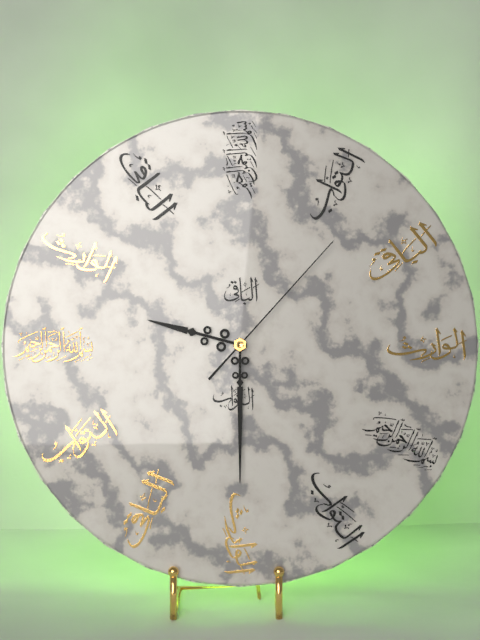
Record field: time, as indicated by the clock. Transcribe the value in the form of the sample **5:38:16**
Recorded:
**9:30:07**
